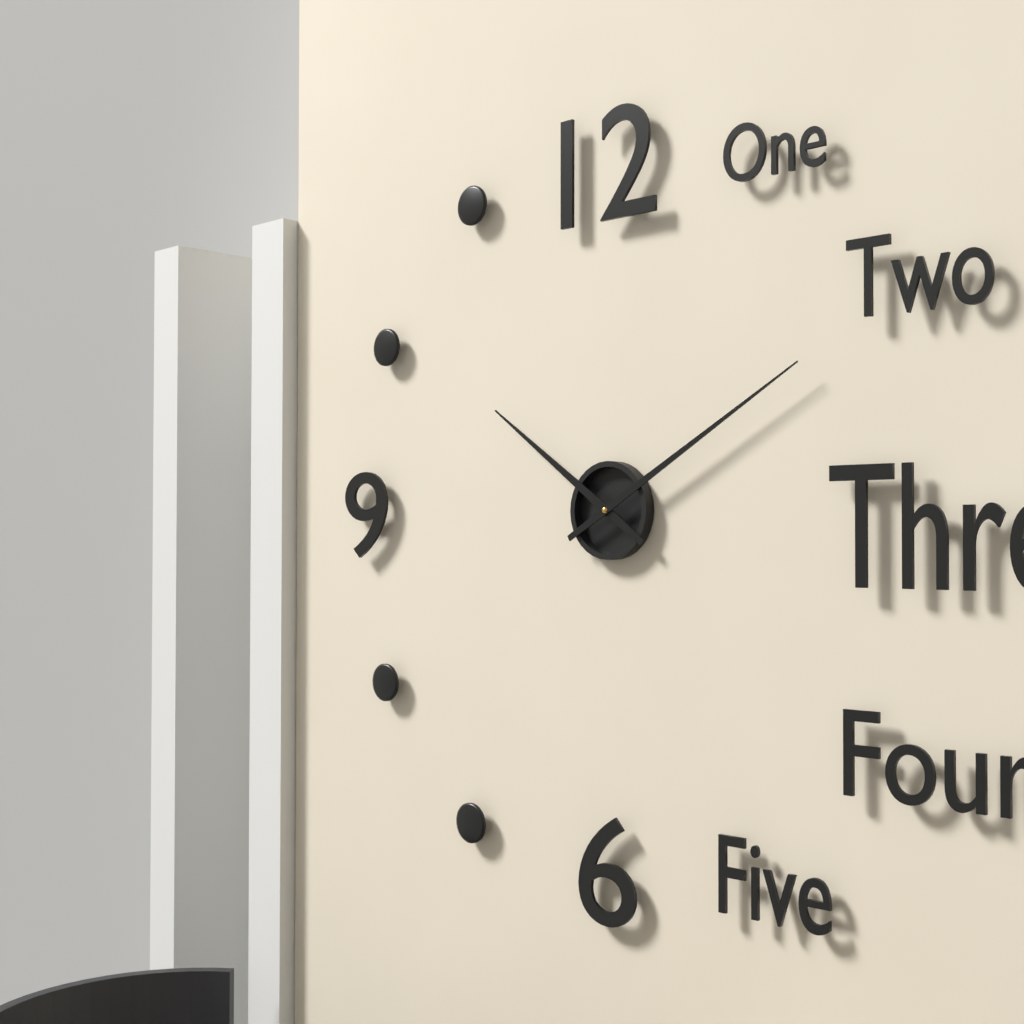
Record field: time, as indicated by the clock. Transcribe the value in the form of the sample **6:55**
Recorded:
**10:10**
